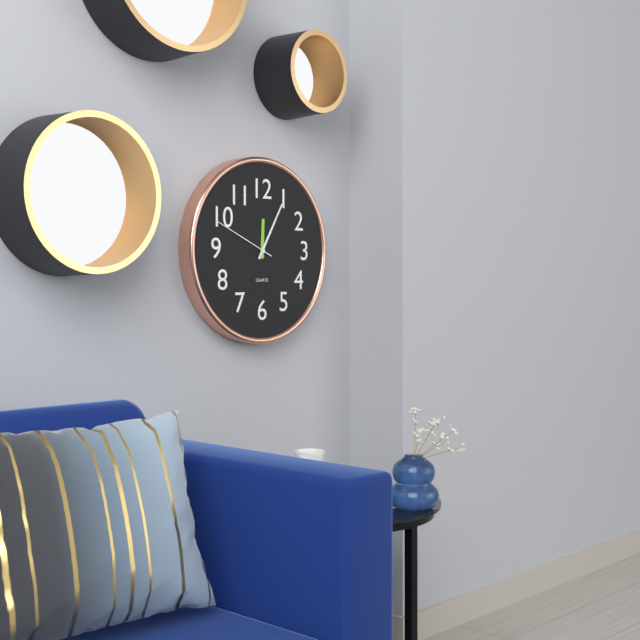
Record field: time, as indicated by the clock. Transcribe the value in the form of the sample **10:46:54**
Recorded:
**12:05:49**
